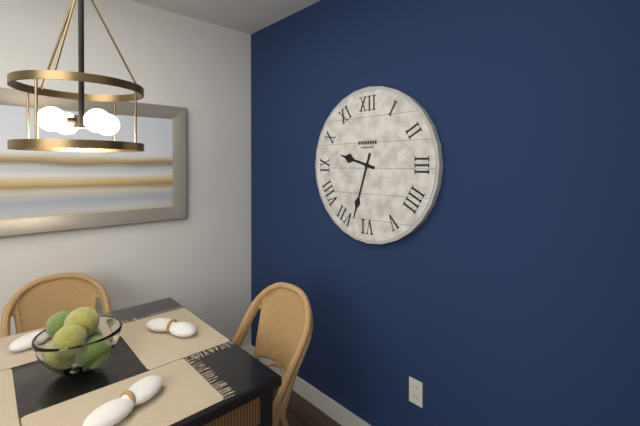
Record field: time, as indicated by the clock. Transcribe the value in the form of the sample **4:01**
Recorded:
**9:33**
